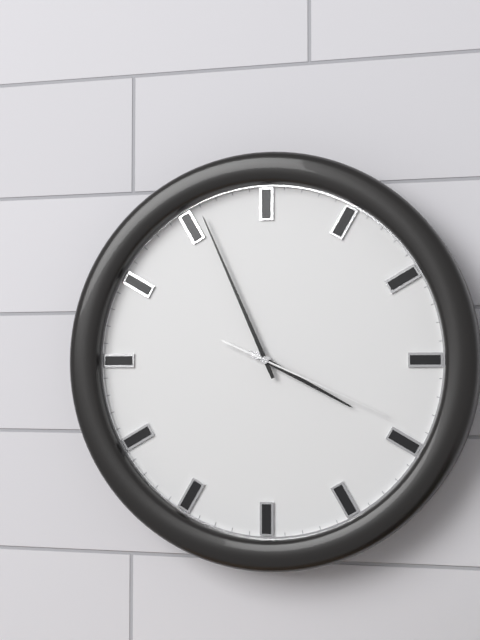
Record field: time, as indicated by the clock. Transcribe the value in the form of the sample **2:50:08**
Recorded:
**3:56:19**
